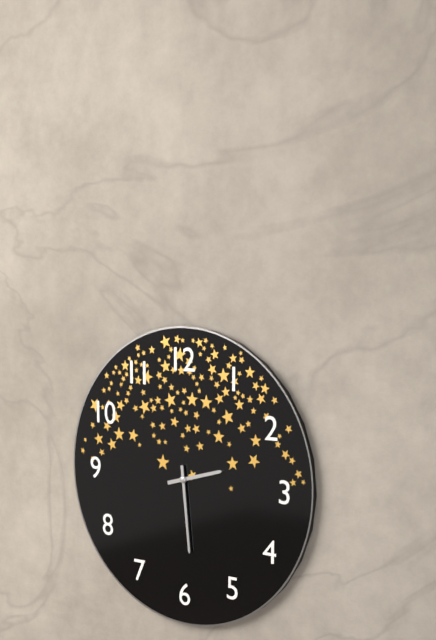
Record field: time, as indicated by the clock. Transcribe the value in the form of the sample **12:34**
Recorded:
**2:29**
